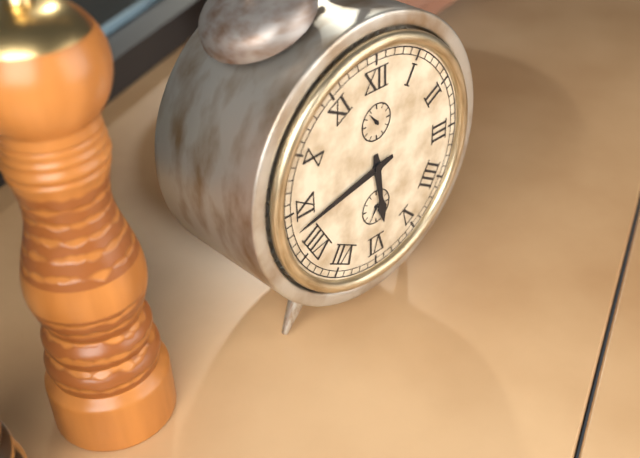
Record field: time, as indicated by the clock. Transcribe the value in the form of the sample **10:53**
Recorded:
**5:43**
